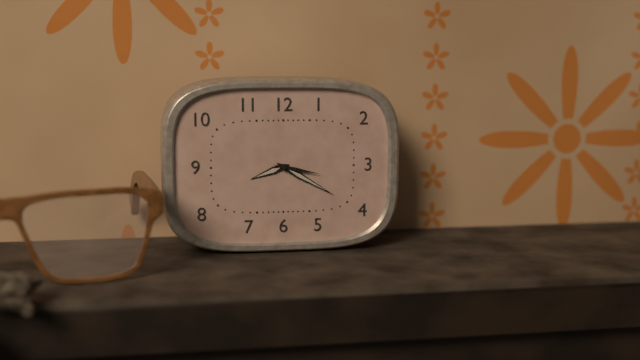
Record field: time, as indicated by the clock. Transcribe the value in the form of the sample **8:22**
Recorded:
**8:20**
